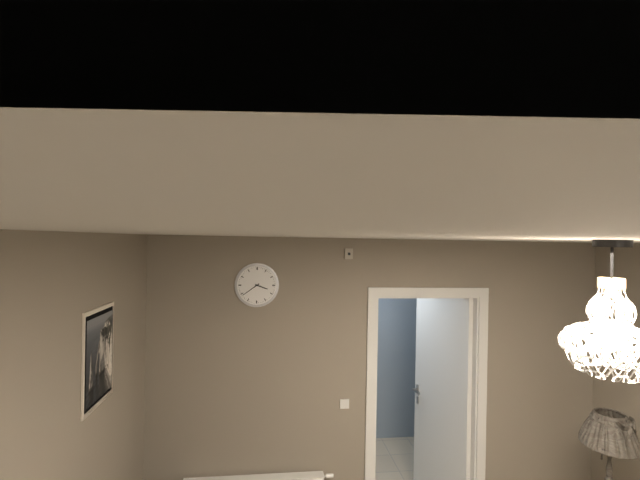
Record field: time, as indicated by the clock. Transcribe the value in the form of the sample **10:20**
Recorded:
**3:39**
